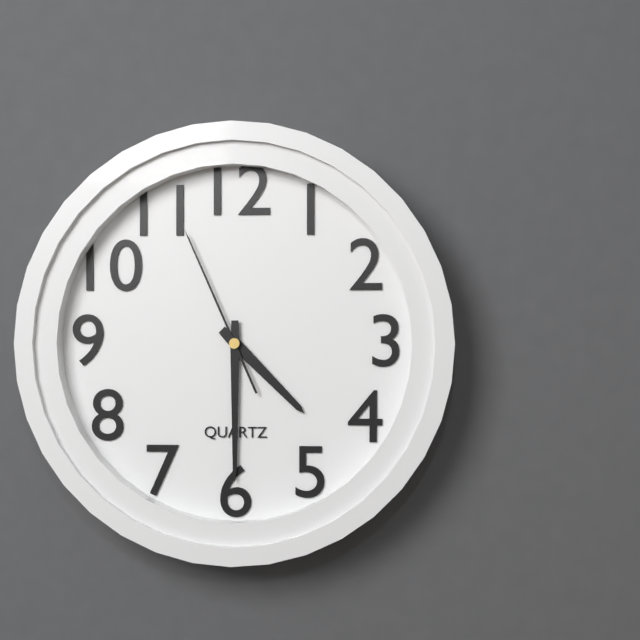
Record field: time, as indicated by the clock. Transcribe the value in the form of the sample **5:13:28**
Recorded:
**4:30:56**
